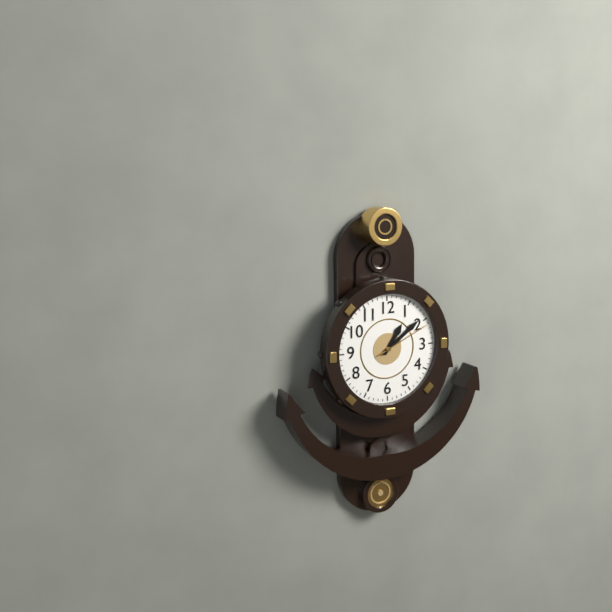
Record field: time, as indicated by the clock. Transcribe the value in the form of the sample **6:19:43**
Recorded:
**1:09:11**
